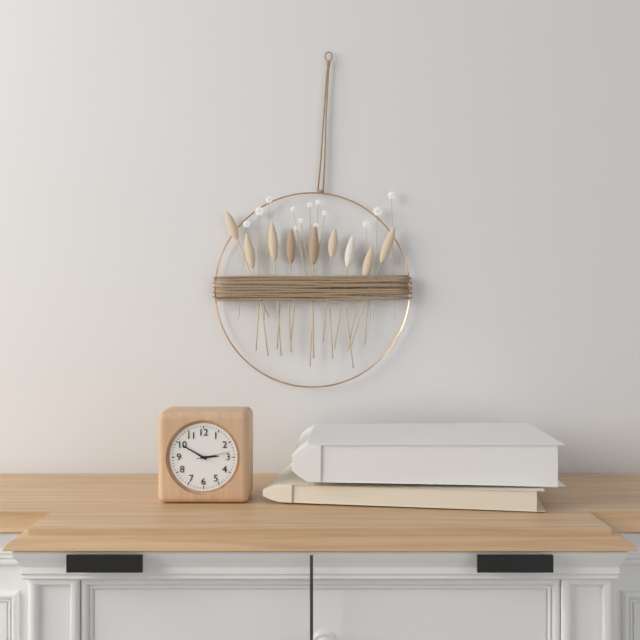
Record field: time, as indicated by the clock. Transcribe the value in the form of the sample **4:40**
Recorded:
**2:50**
